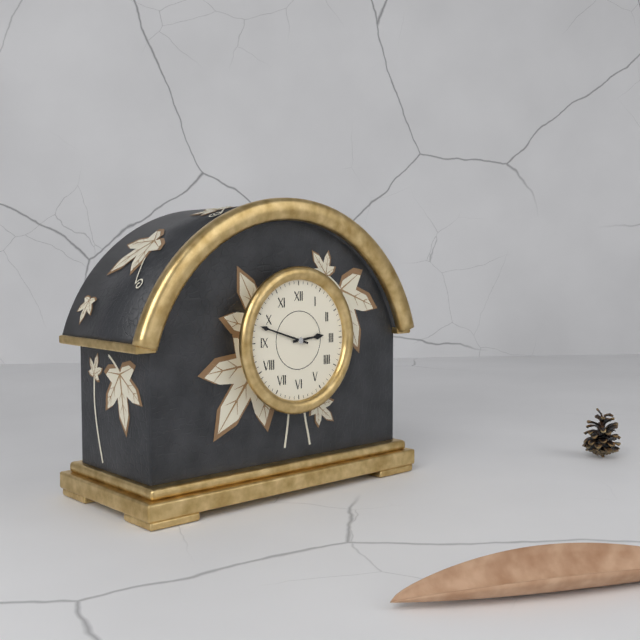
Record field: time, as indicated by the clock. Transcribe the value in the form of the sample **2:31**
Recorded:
**2:48**
